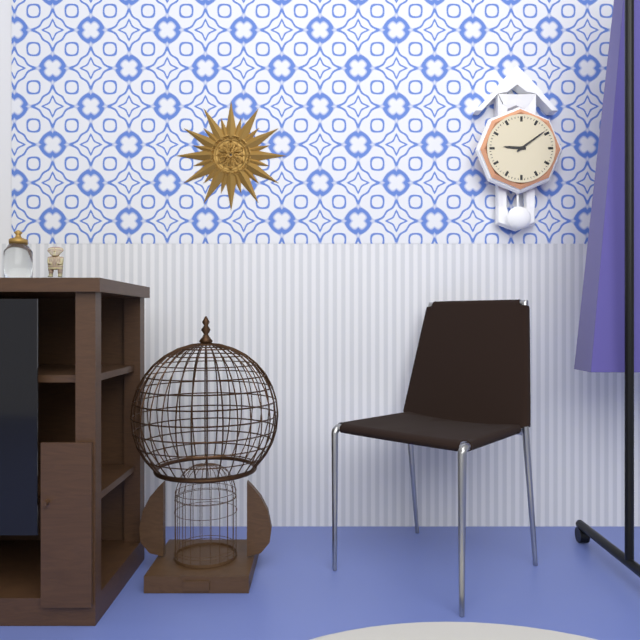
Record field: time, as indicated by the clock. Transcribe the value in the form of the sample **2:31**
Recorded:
**9:09**
